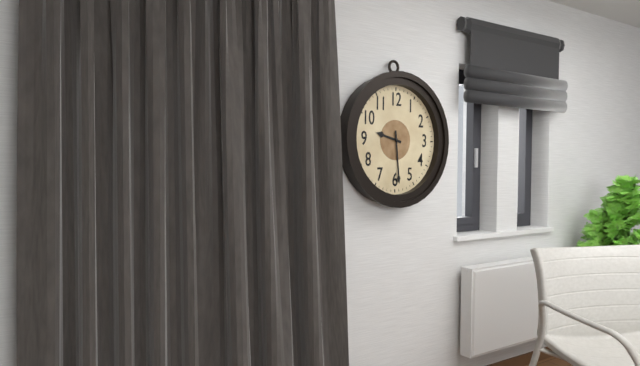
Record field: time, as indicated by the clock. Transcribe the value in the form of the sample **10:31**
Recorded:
**9:29**
